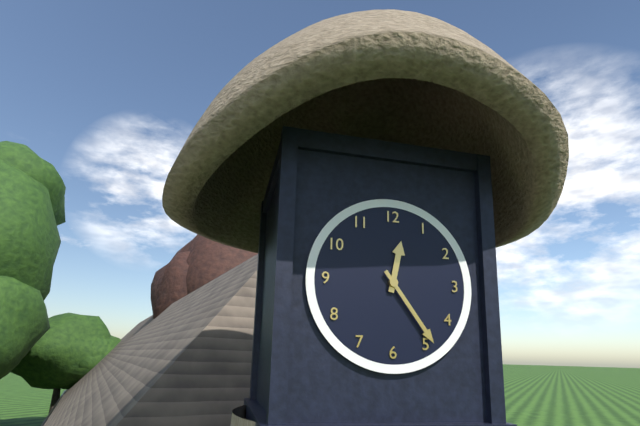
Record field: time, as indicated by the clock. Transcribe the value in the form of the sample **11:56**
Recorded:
**12:24**
